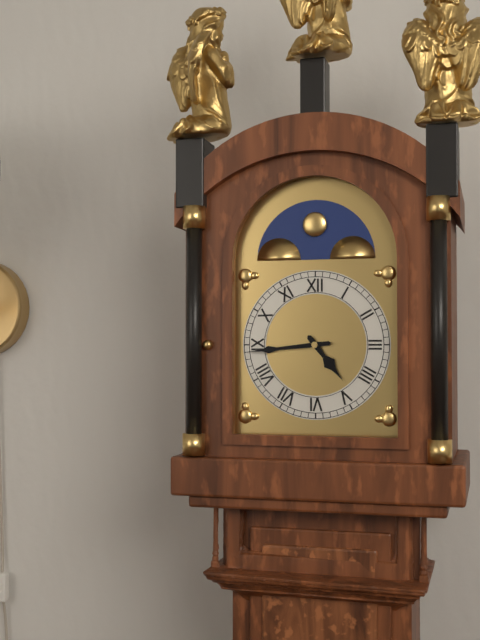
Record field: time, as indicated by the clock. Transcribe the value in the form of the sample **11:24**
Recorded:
**4:44**
